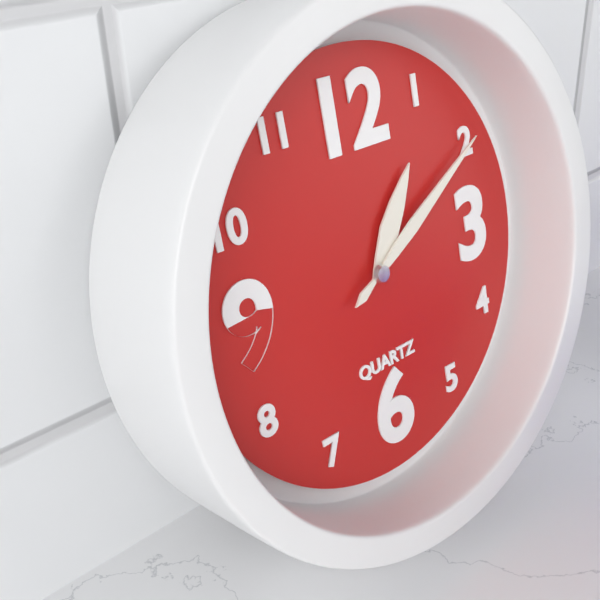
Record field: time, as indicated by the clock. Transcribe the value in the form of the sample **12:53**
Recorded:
**1:10**
